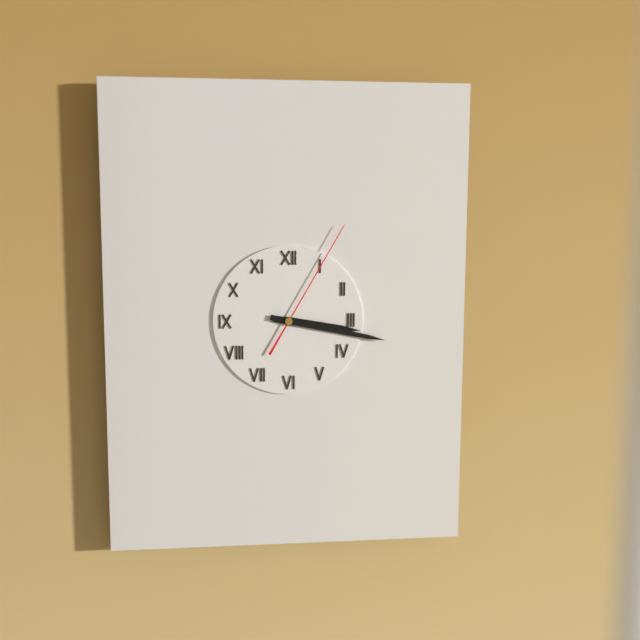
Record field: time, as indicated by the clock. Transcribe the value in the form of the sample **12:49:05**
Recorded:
**3:17:05**
